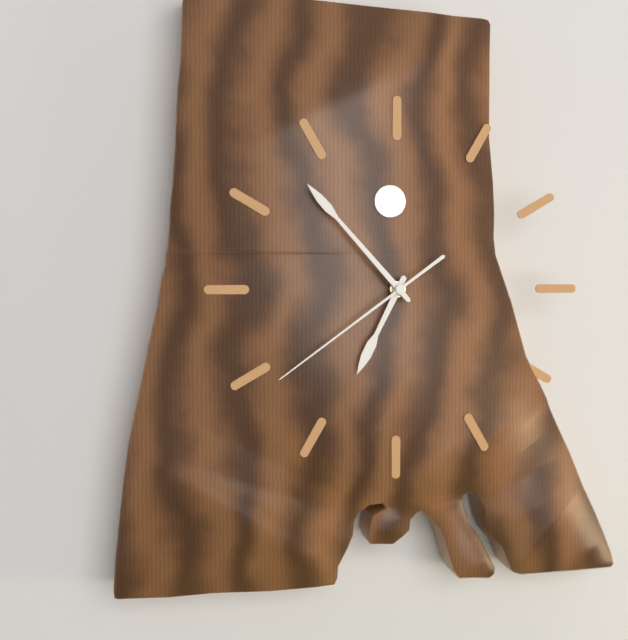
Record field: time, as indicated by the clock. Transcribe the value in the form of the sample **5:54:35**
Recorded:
**6:53:39**
